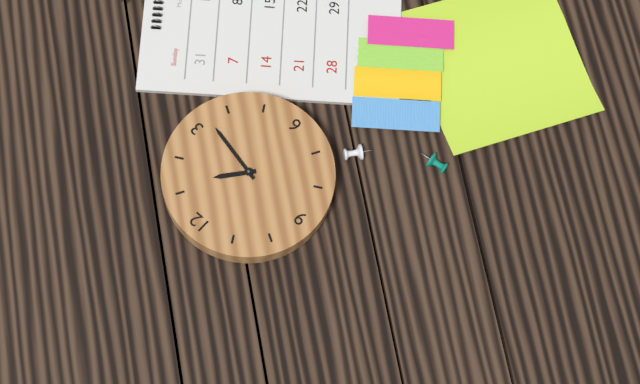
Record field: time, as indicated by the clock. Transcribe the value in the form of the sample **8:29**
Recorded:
**1:17**
